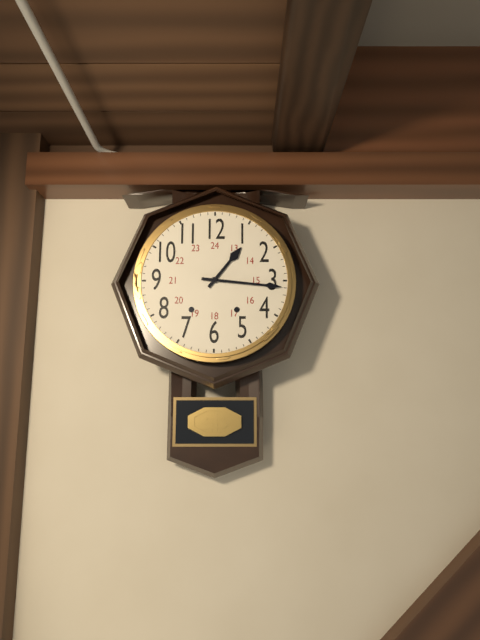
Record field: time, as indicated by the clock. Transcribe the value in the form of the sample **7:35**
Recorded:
**1:16**
